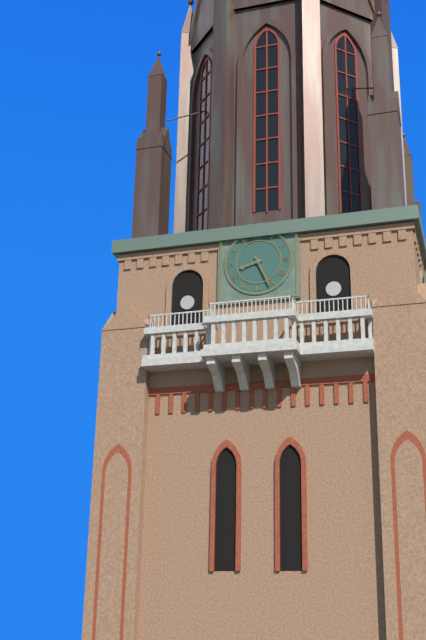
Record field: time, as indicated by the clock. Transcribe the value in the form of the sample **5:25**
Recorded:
**8:26**
